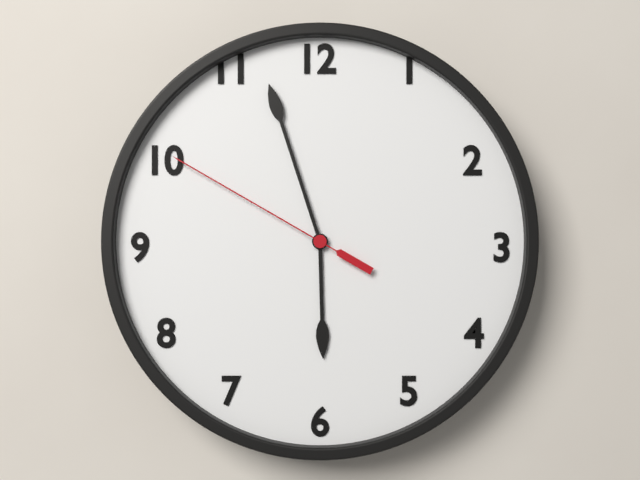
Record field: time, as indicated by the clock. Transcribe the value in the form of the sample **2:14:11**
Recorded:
**5:57:50**
